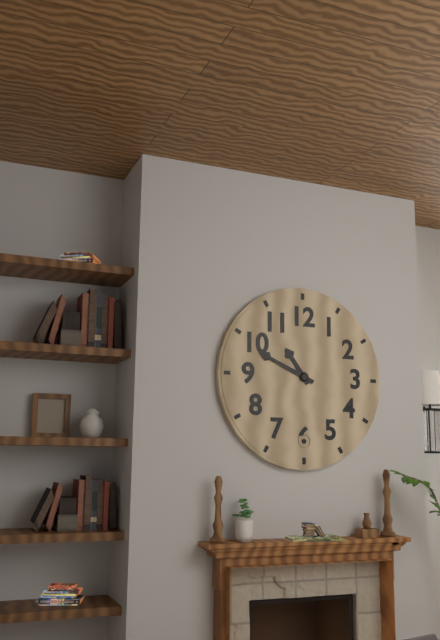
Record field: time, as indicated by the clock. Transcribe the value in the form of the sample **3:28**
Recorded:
**10:49**
